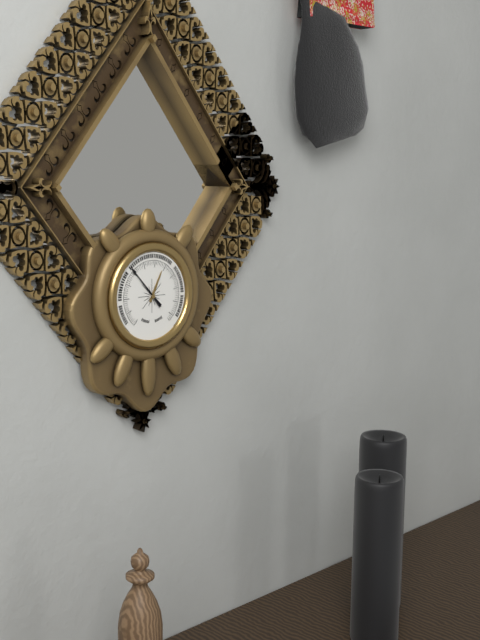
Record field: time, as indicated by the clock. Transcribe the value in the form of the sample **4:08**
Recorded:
**12:53**
